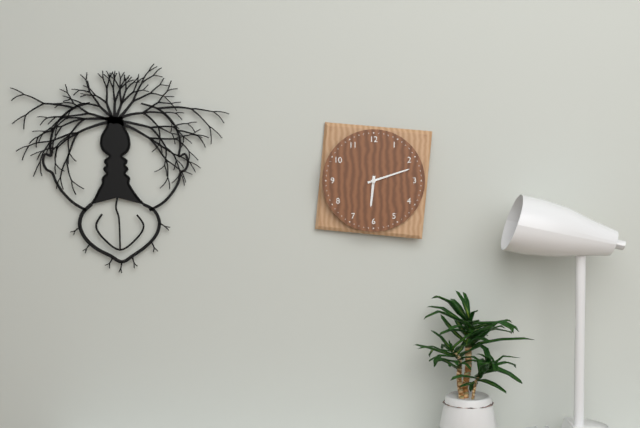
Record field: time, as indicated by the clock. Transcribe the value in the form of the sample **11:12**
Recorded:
**6:12**
